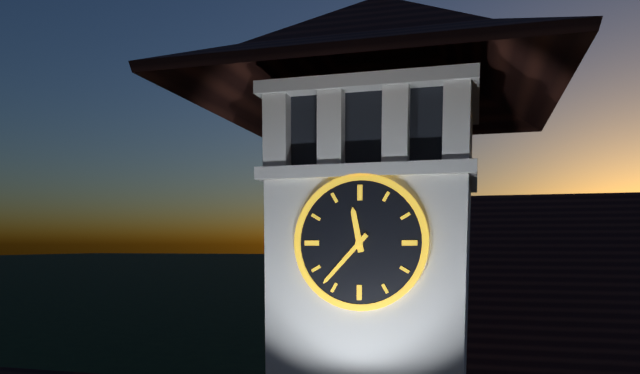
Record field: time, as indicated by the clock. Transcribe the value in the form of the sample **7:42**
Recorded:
**11:37**
